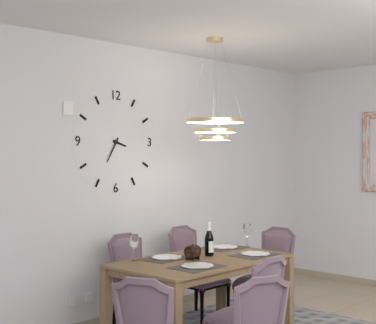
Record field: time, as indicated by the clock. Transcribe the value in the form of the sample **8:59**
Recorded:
**3:35**
